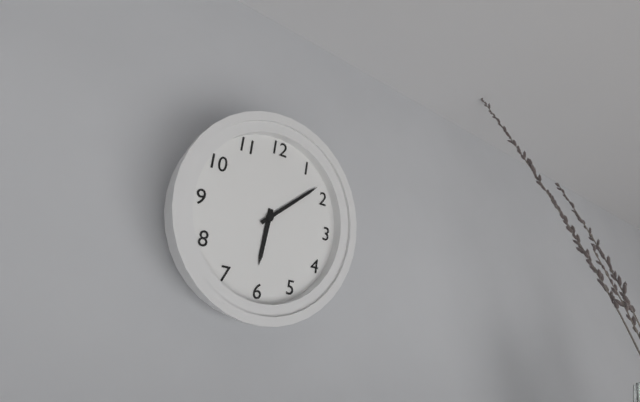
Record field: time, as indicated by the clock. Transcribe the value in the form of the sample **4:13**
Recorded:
**6:08**
